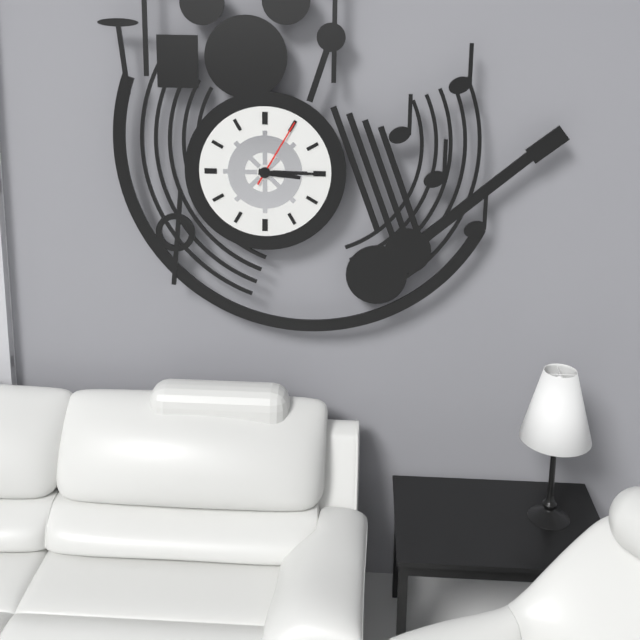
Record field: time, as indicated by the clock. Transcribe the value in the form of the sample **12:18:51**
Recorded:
**3:15:05**
